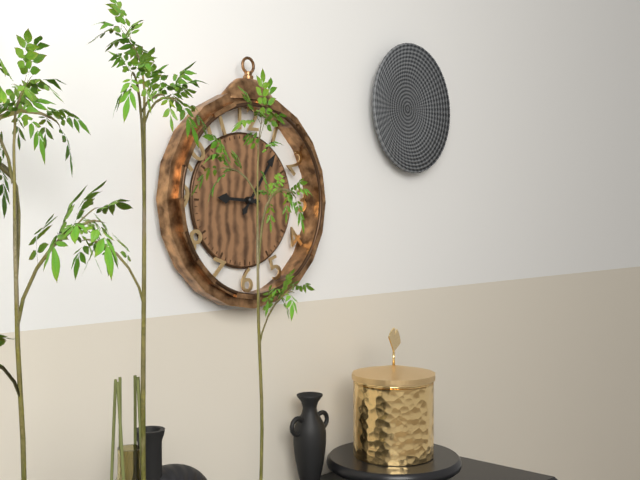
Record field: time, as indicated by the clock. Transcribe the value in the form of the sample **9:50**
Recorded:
**9:06**
